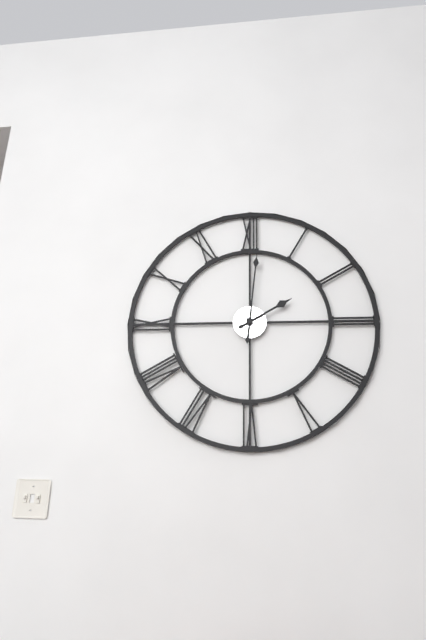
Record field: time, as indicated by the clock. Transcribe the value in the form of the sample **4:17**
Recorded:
**2:01**
